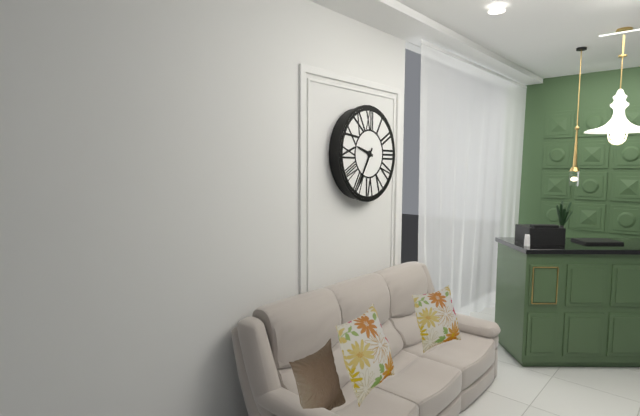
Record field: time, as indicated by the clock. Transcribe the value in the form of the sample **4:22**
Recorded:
**9:35**
